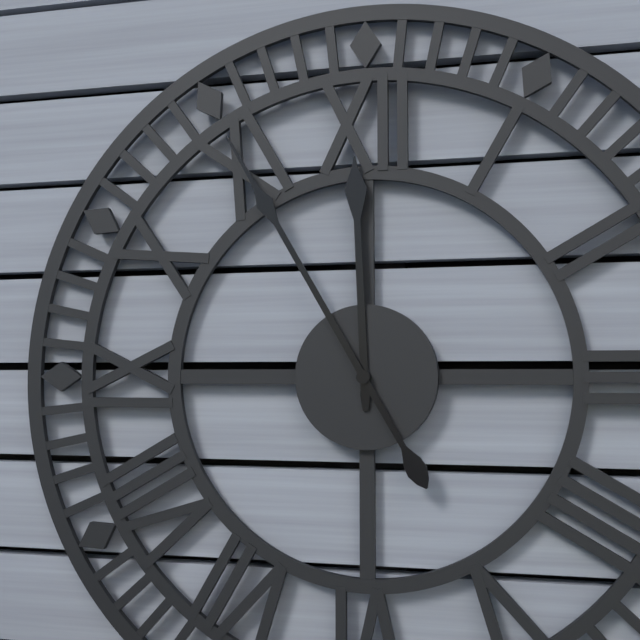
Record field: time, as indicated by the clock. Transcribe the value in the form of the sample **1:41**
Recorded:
**11:55**
